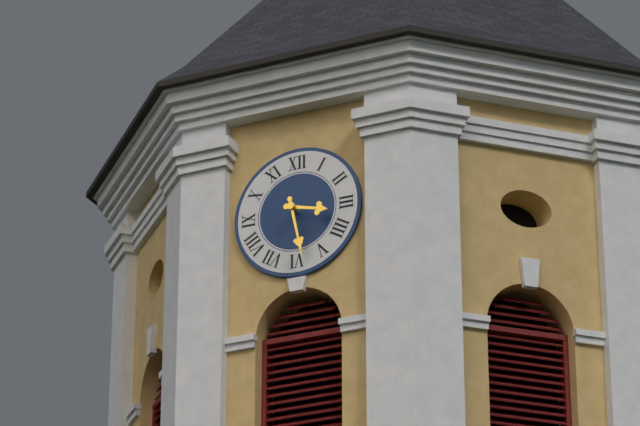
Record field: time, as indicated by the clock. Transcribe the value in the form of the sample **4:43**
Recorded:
**3:28**
